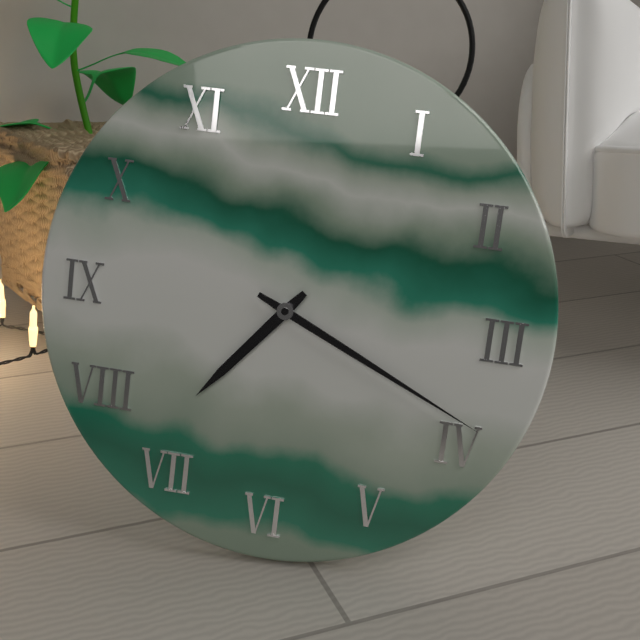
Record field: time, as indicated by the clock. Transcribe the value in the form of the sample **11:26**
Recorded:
**7:19**
